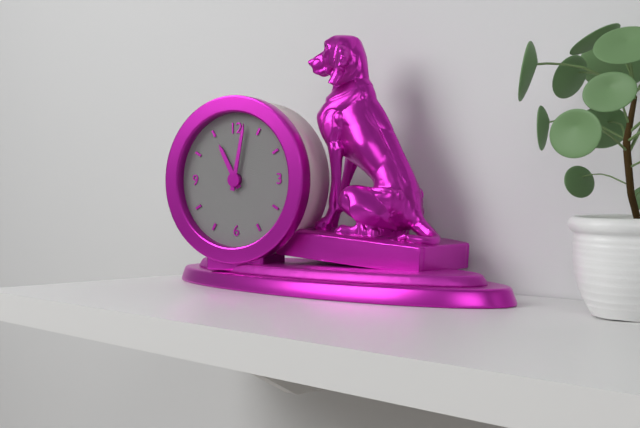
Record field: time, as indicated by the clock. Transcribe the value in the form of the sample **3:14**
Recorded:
**11:02**
